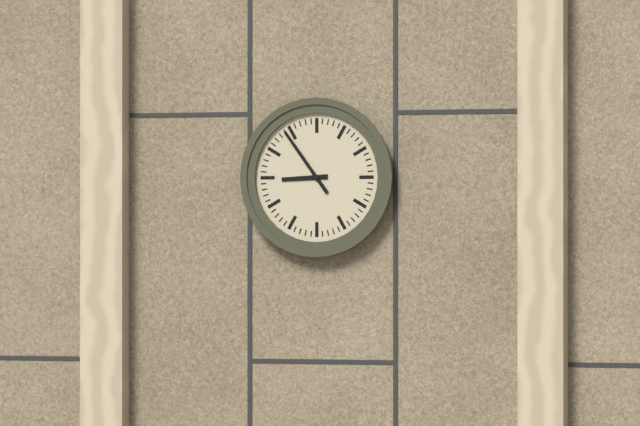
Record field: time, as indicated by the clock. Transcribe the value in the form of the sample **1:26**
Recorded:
**8:54**
